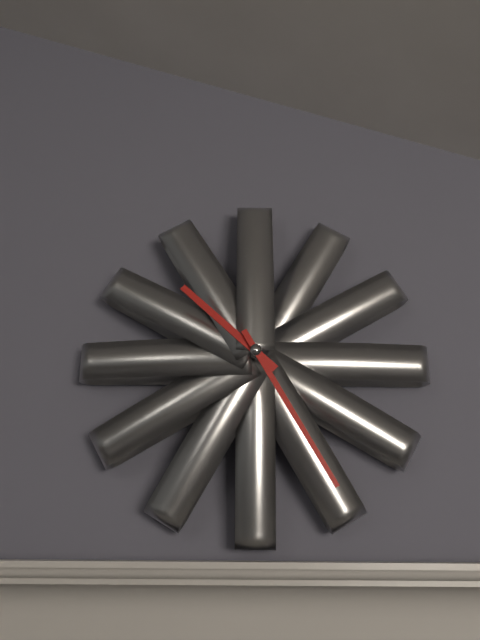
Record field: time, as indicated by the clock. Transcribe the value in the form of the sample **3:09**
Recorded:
**10:25**
